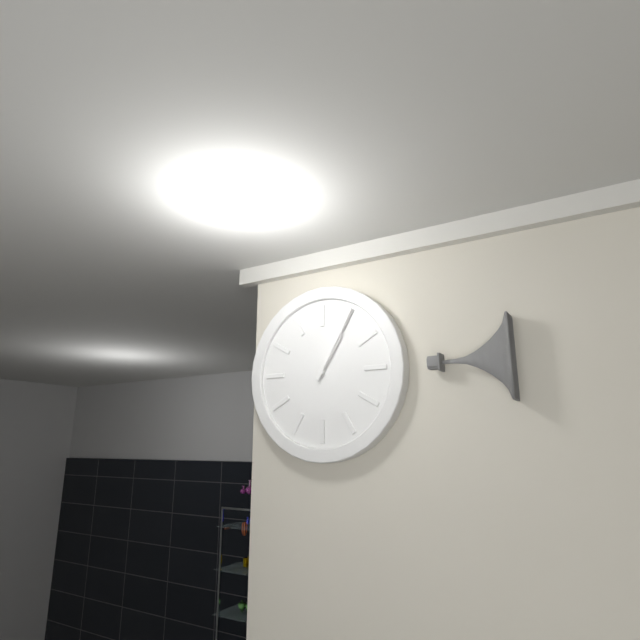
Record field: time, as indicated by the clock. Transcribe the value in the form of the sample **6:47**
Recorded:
**1:05**
